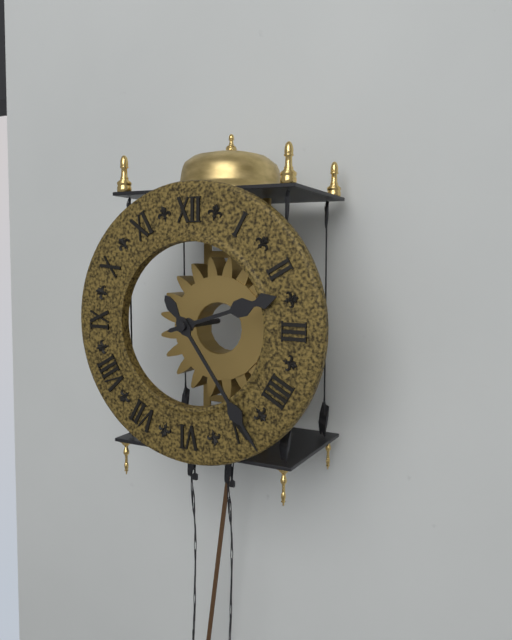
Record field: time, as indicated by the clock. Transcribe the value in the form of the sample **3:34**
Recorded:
**2:24**
